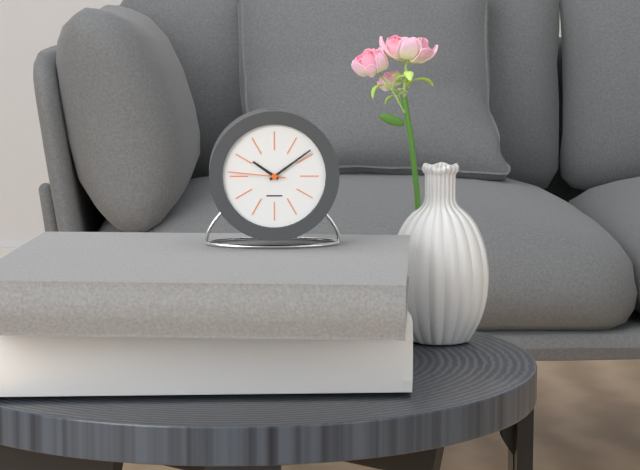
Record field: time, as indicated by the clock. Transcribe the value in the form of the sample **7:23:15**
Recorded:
**10:09:46**
